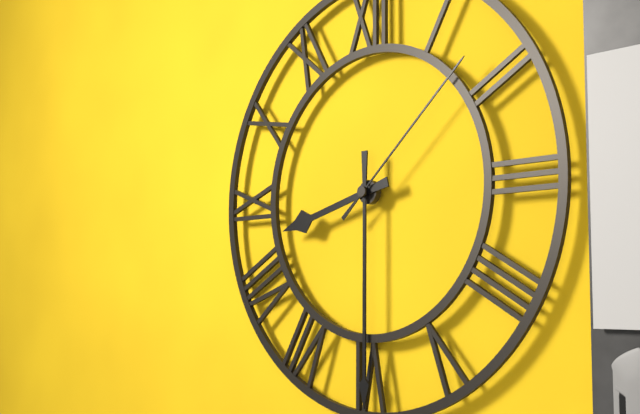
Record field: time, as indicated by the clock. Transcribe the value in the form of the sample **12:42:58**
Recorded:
**8:30:08**
